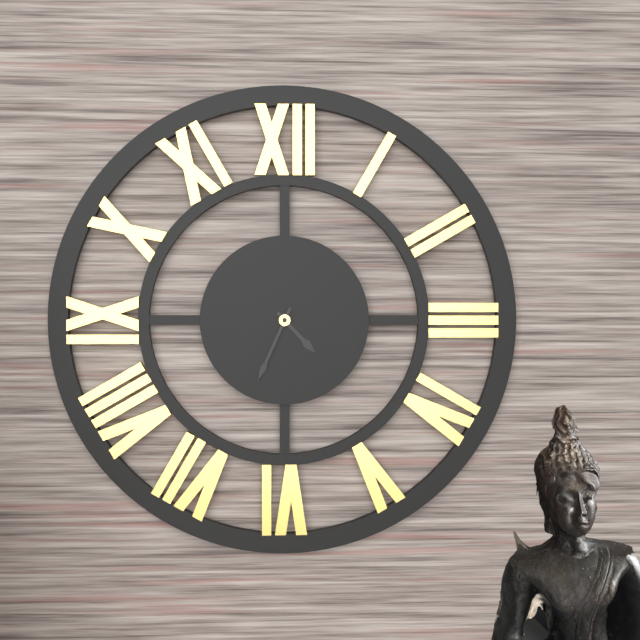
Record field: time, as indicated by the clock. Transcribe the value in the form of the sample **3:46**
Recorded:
**4:34**
